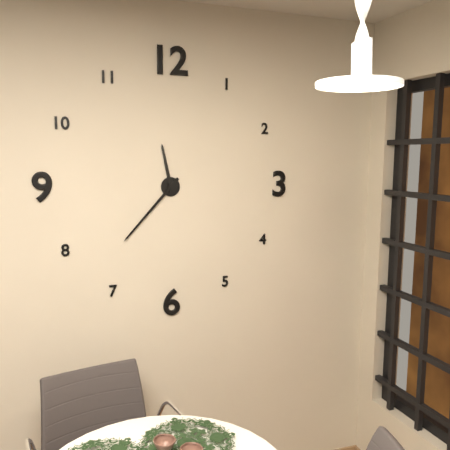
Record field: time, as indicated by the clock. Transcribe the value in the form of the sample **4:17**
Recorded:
**11:37**
